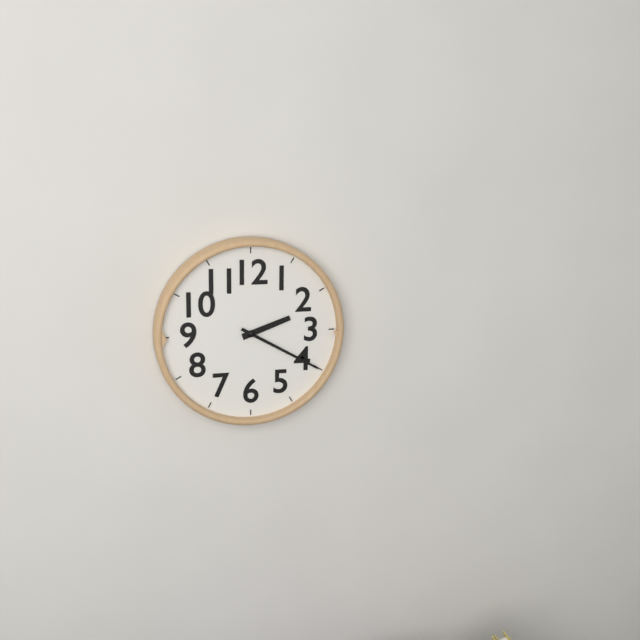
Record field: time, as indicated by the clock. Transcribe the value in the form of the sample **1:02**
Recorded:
**2:20**
